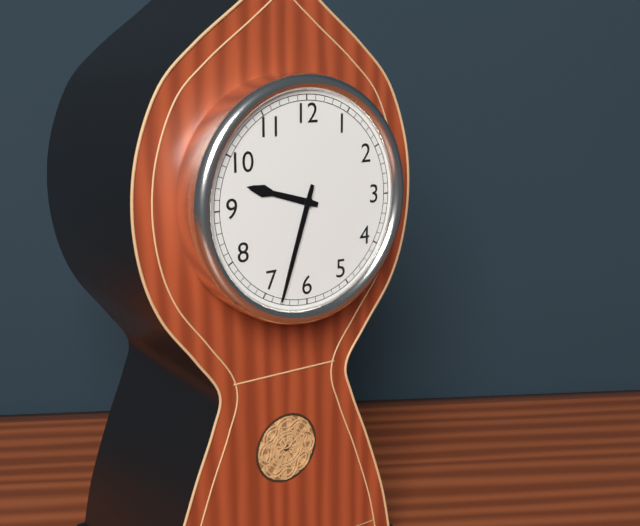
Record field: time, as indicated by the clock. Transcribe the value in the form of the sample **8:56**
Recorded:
**9:33**
